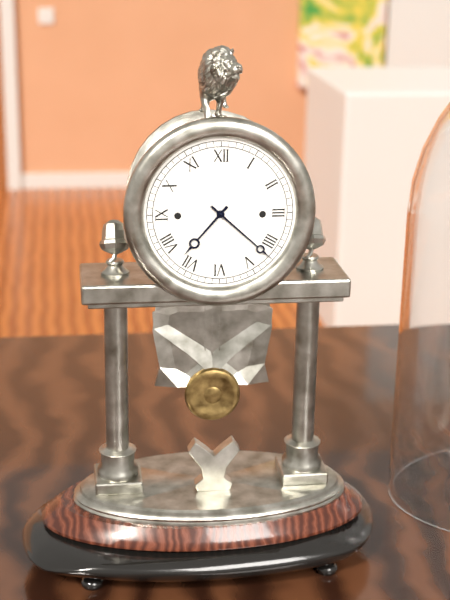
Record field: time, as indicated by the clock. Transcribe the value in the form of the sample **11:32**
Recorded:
**7:22**
